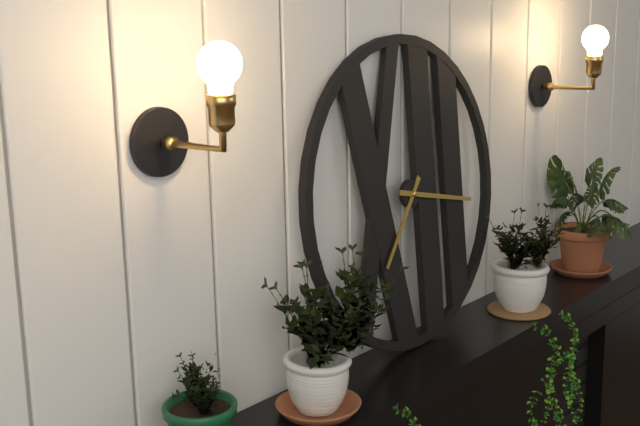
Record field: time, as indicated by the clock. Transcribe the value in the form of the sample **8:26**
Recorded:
**7:17**
